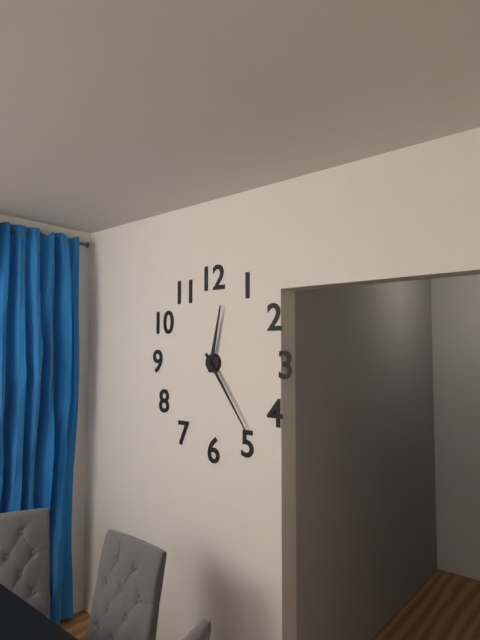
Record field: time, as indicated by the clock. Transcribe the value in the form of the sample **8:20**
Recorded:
**12:24**
